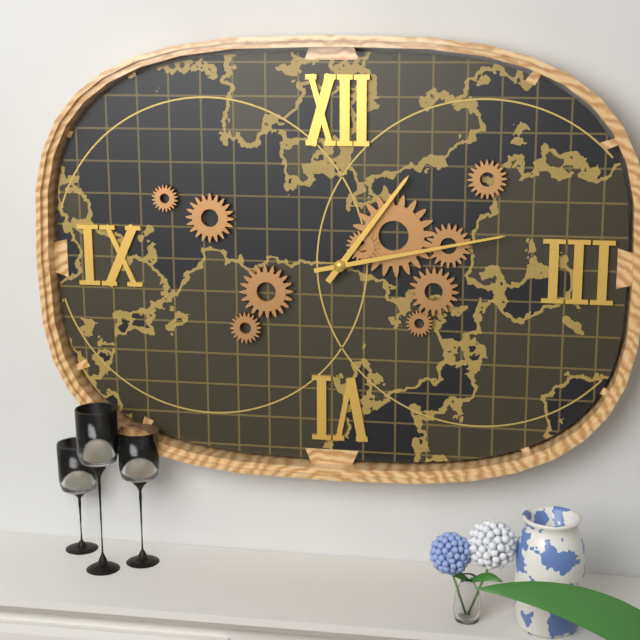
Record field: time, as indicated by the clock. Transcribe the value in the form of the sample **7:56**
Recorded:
**1:13**
